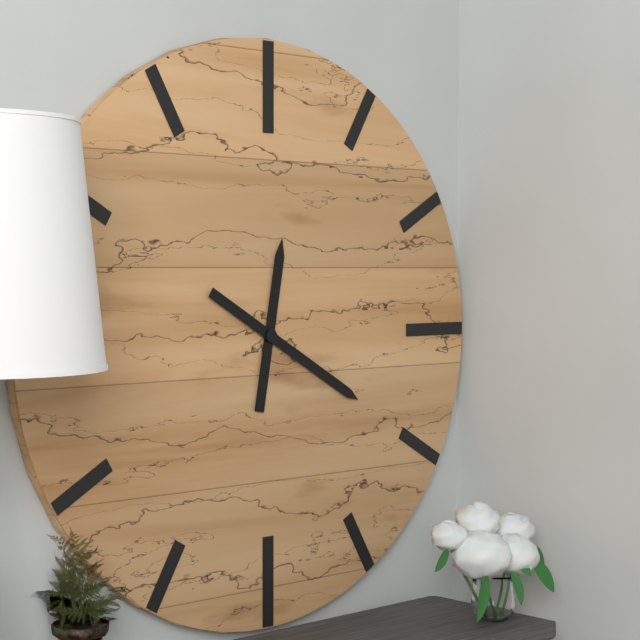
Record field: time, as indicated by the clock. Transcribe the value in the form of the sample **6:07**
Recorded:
**12:20**
